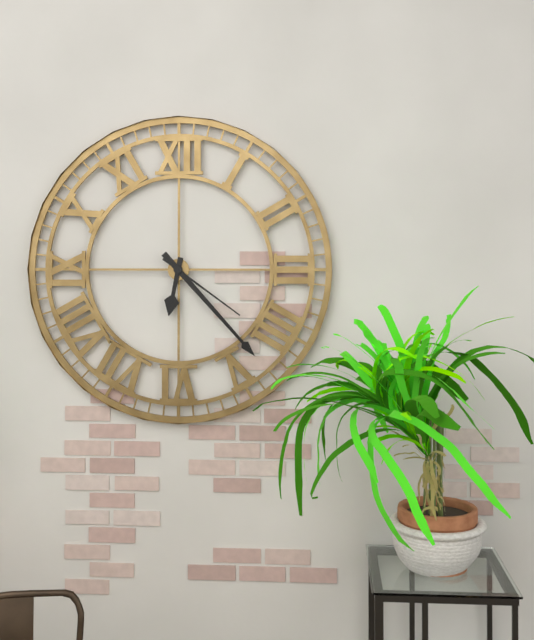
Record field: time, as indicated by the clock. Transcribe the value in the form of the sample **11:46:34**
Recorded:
**6:23:21**
